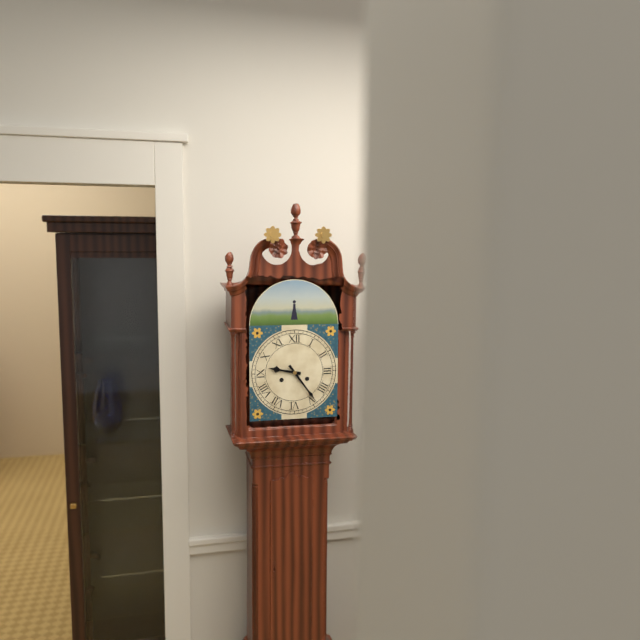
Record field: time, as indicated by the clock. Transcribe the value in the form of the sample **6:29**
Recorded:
**9:24**
